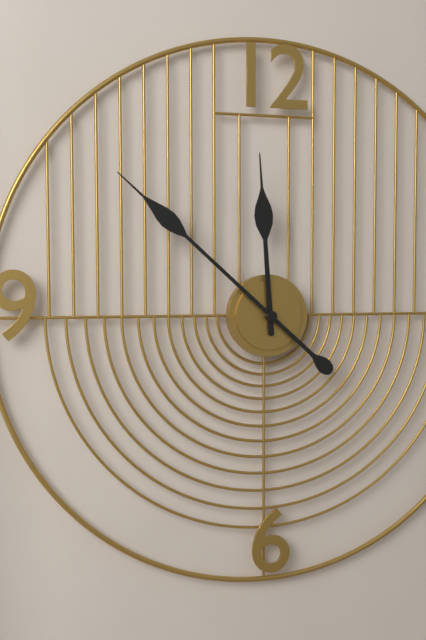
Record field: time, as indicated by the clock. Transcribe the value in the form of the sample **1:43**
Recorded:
**11:52**
